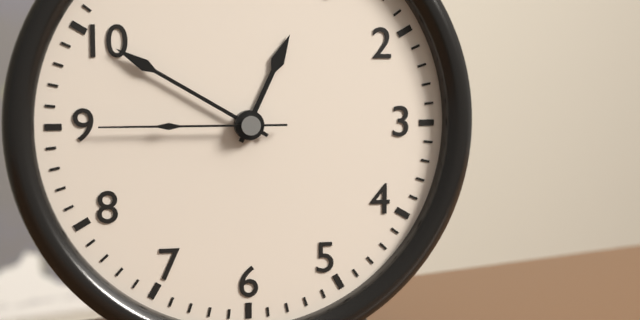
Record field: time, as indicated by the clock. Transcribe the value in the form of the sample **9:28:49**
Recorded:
**12:50:45**
